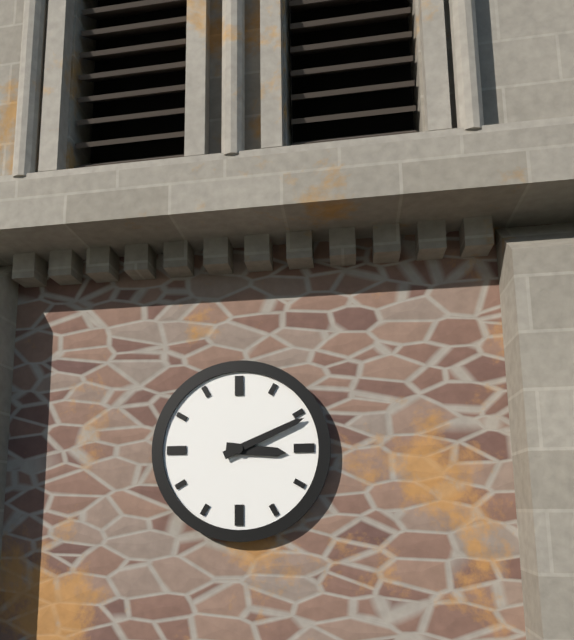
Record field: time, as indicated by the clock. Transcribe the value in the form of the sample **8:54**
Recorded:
**3:11**
